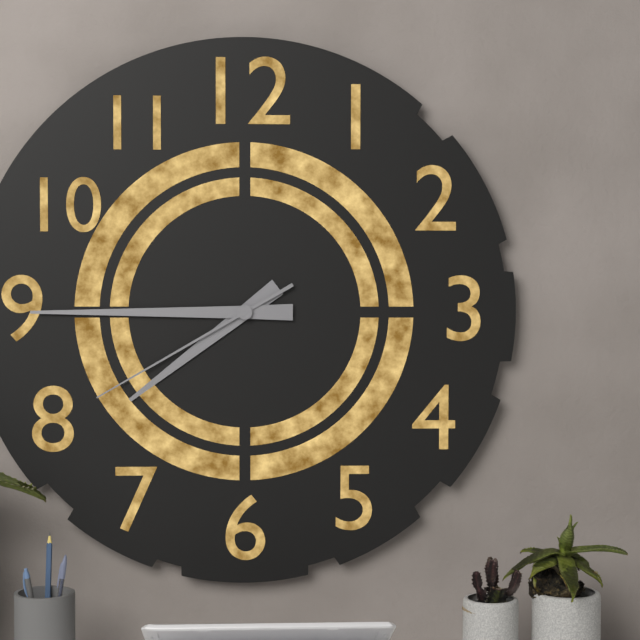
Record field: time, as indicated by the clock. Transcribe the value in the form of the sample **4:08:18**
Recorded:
**7:45:40**
